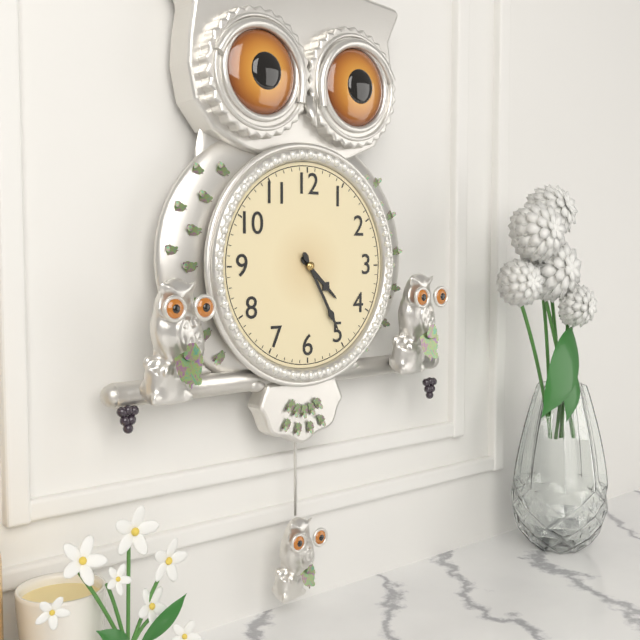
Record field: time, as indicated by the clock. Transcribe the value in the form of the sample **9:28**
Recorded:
**4:25**
